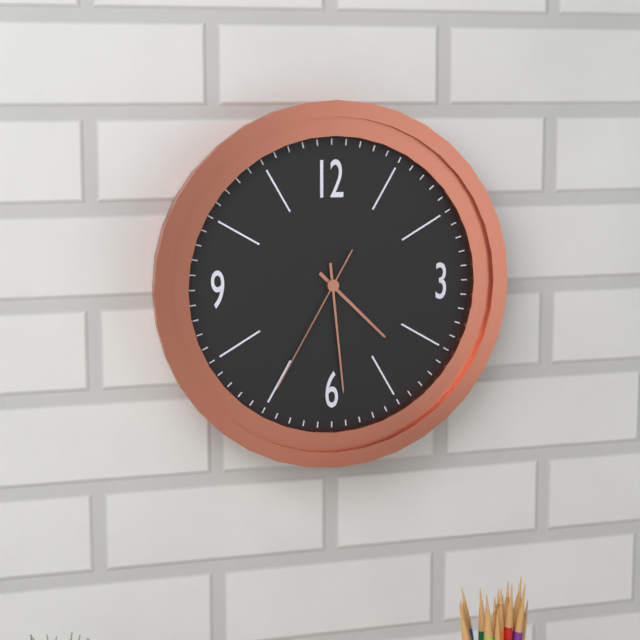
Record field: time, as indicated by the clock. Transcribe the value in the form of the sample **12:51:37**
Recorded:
**4:29:35**
